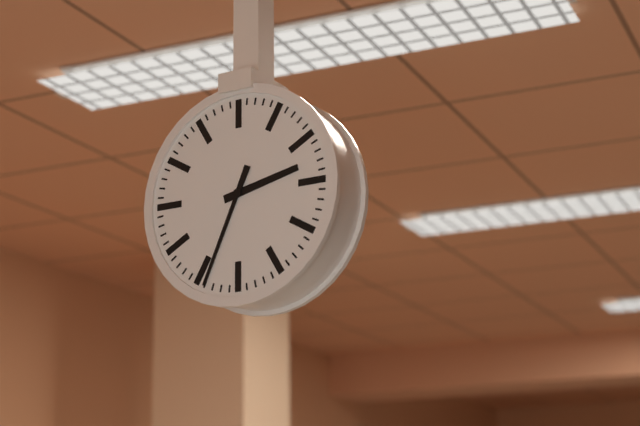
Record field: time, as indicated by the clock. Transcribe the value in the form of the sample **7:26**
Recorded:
**2:34**
